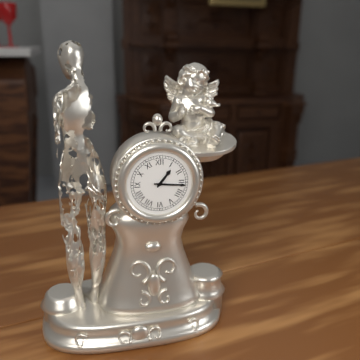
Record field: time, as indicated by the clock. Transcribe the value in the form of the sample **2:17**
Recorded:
**1:16**
